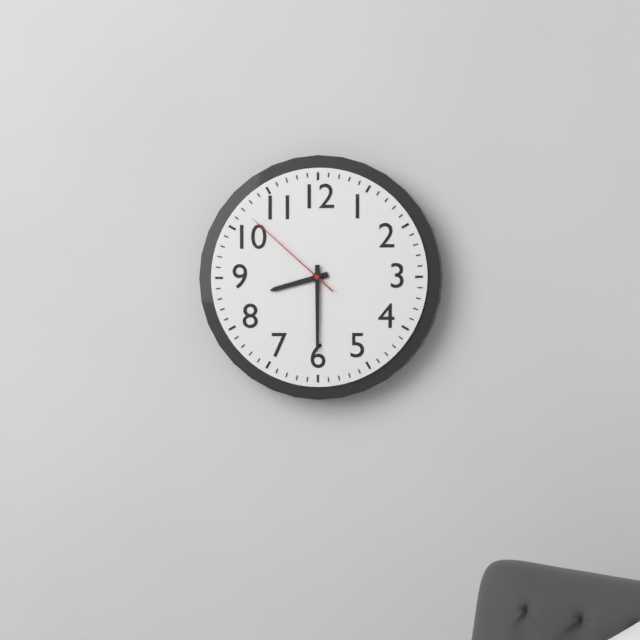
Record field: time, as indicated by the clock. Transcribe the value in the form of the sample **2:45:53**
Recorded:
**8:30:52**
